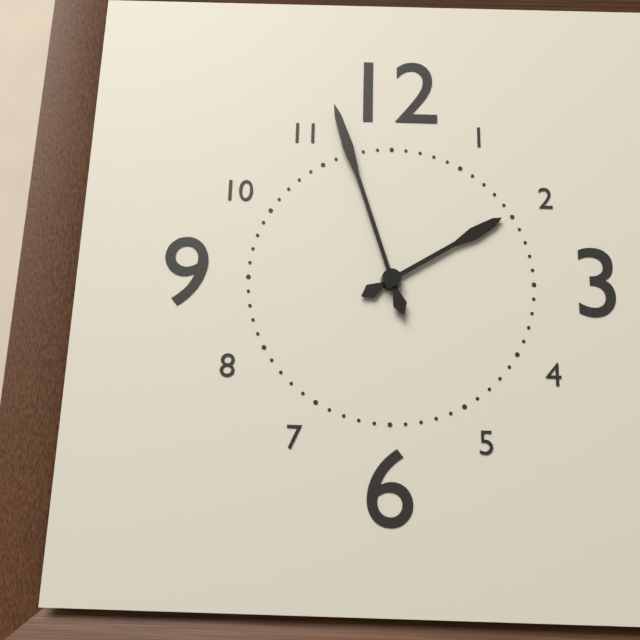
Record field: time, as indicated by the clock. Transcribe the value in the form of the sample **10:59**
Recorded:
**1:57**
